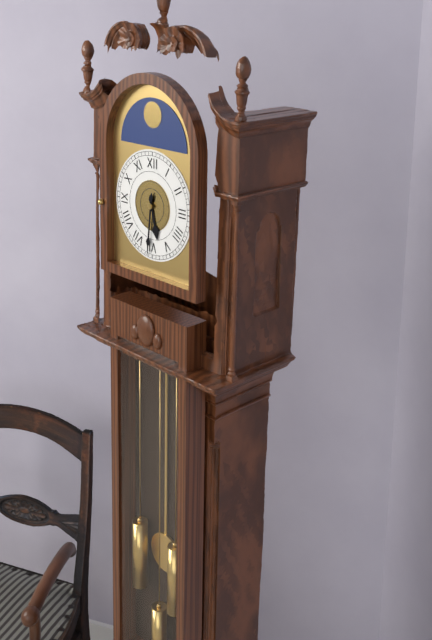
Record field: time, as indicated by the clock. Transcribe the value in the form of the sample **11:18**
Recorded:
**5:31**
